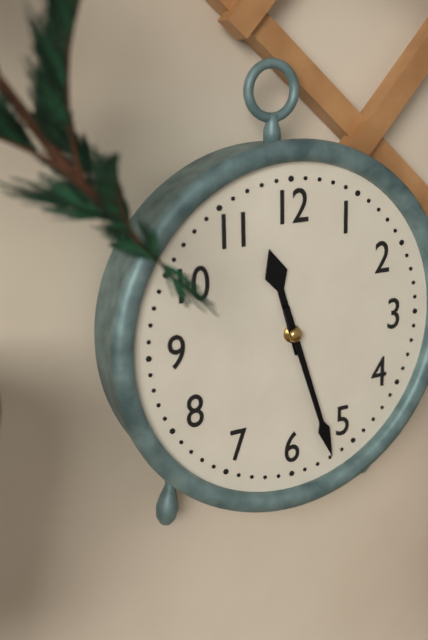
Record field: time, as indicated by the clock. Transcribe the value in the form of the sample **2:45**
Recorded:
**11:27**
